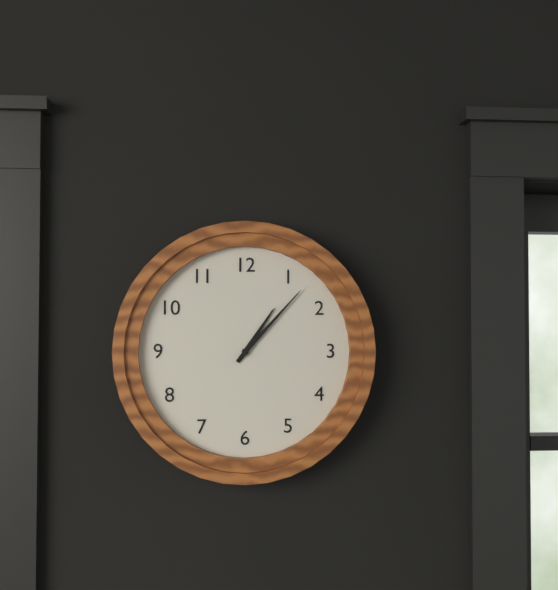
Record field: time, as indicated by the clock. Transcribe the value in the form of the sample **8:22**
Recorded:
**1:07**
